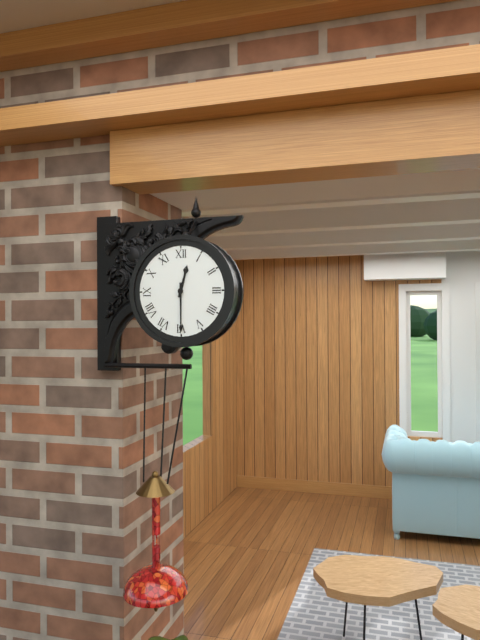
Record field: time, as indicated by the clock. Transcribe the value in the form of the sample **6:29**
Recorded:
**12:30**
